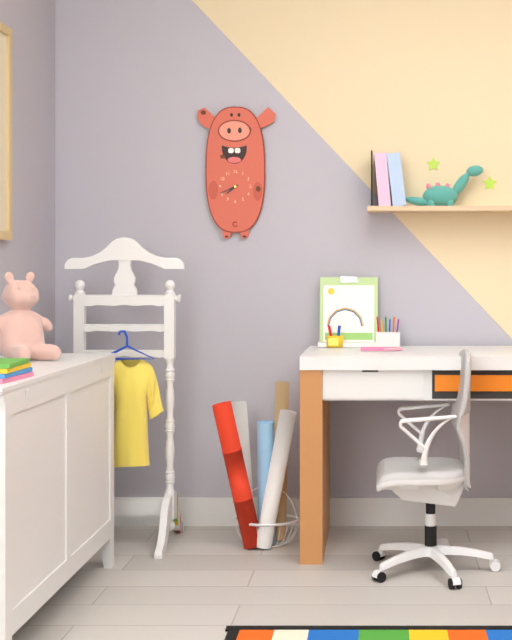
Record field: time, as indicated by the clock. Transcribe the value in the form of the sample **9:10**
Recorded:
**7:41**
